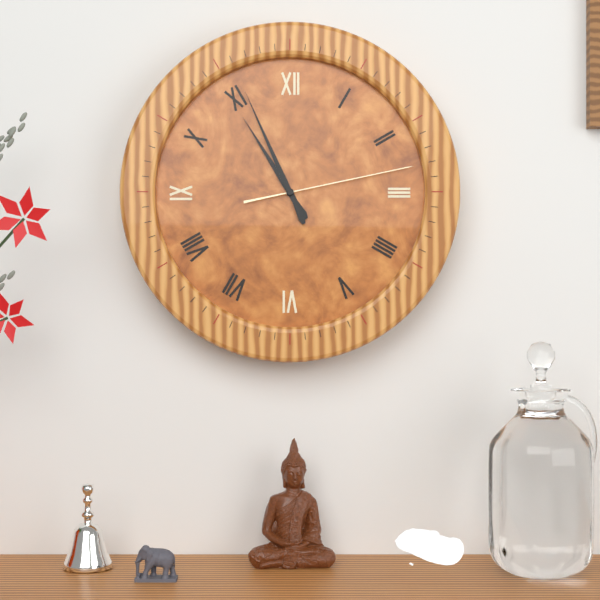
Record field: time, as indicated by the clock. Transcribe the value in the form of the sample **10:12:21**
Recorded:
**10:56:13**
